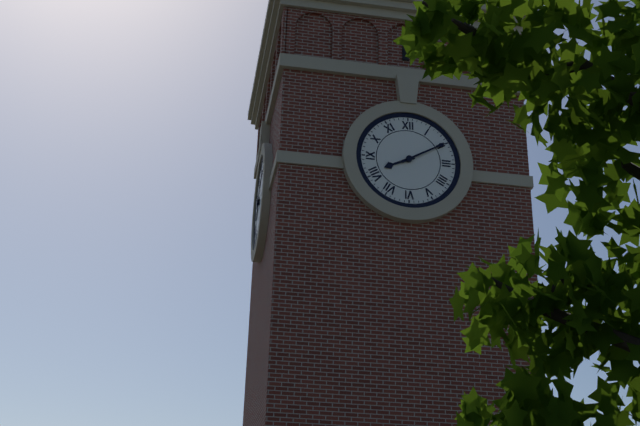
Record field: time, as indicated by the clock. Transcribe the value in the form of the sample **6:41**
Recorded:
**8:10**
